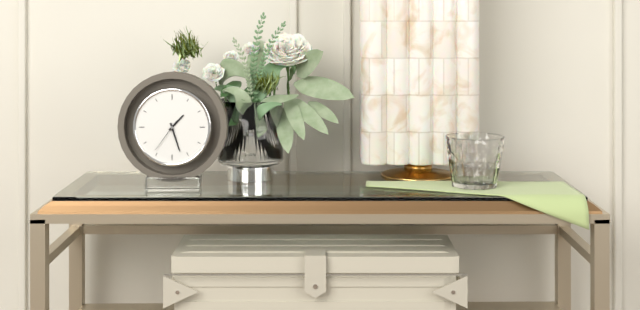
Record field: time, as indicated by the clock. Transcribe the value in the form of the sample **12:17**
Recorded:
**1:27**
